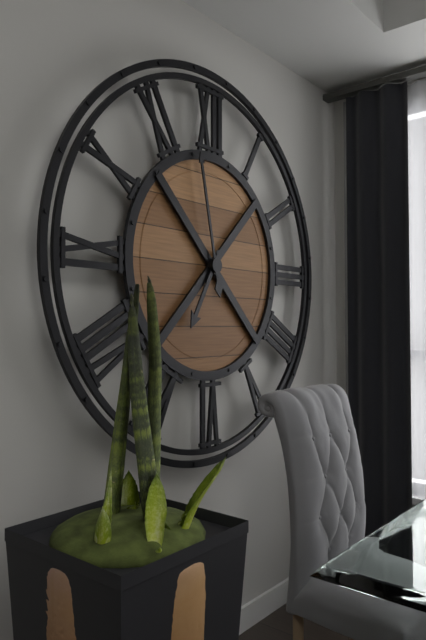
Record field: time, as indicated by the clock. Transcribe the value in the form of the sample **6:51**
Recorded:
**6:58**
